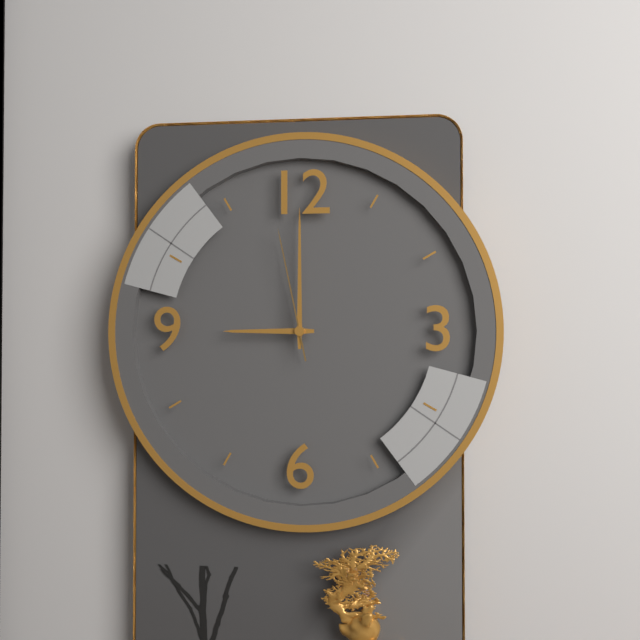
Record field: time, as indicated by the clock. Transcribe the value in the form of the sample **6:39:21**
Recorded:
**9:00:58**
